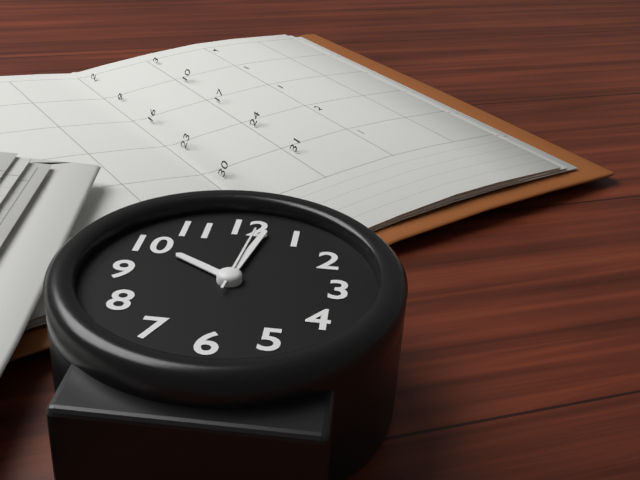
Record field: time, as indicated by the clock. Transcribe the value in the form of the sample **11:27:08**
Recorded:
**10:02:01**
